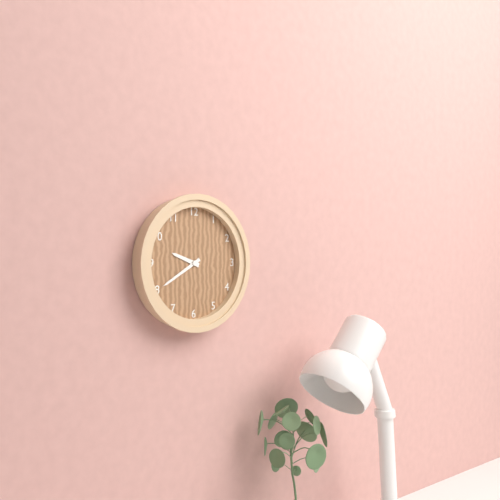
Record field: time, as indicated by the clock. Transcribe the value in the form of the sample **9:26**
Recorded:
**9:40**
